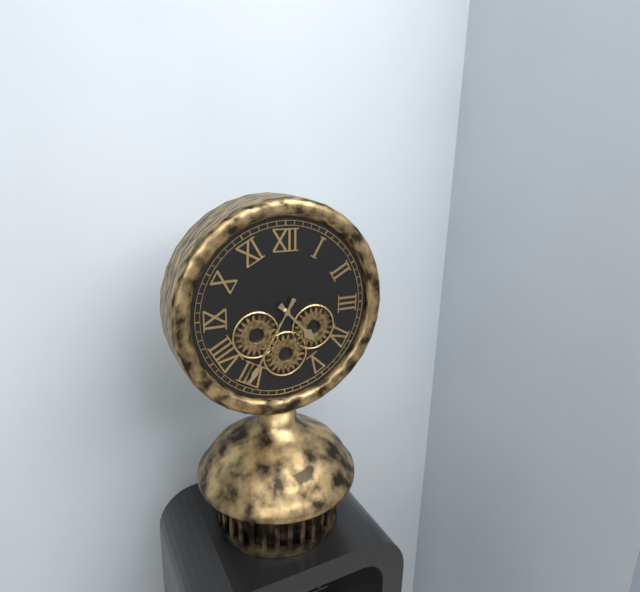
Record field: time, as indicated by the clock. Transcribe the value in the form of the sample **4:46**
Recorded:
**4:35**
